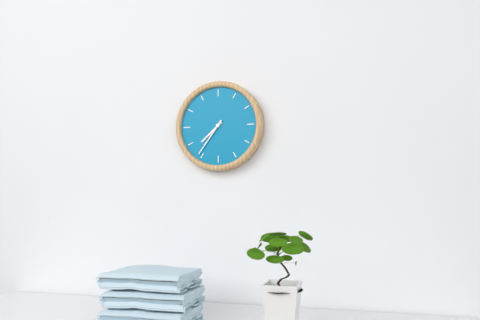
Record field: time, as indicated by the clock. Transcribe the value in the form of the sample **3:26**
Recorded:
**7:36**
